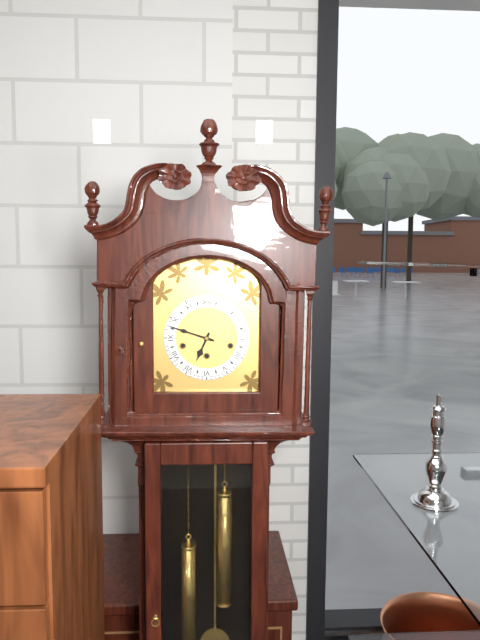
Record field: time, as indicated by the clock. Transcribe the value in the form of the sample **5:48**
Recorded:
**6:48**
